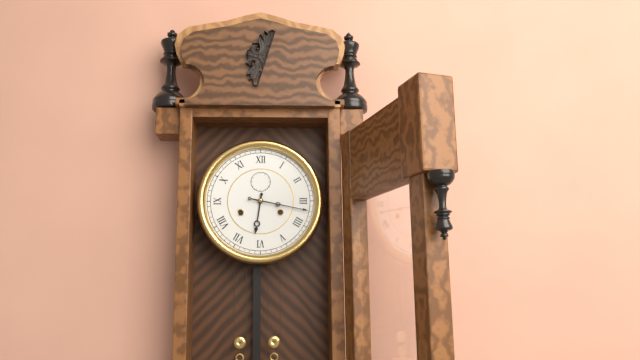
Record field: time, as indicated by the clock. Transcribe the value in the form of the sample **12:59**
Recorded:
**6:17**
